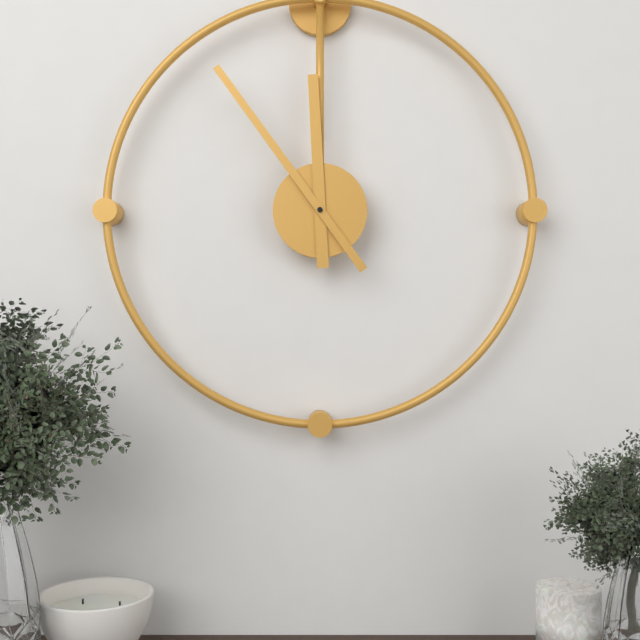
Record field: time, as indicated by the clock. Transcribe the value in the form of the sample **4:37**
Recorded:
**11:54**
